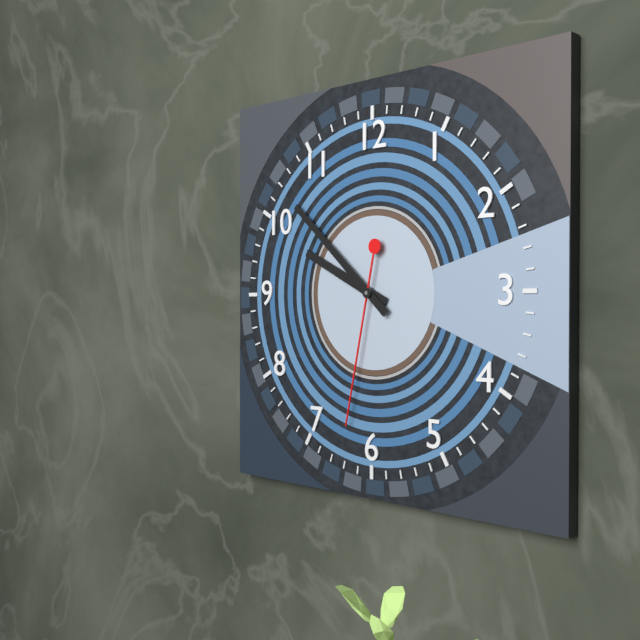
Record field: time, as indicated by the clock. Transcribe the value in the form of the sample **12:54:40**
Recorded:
**9:52:32**
